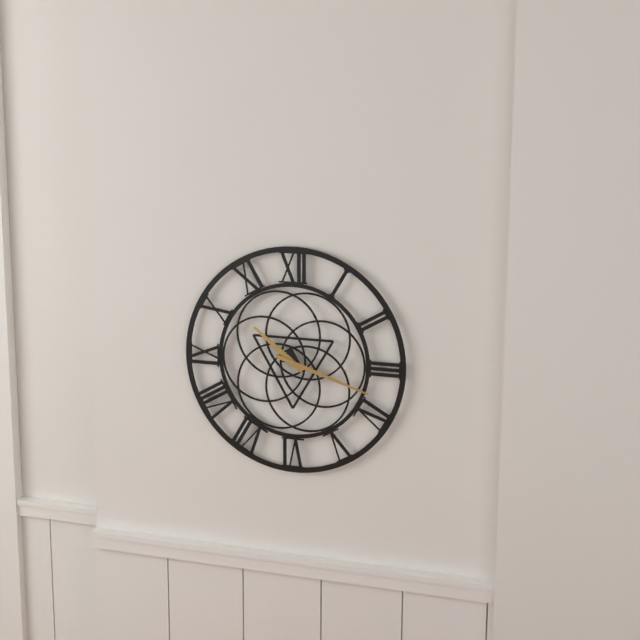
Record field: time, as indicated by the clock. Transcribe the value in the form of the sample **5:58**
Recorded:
**10:18**
